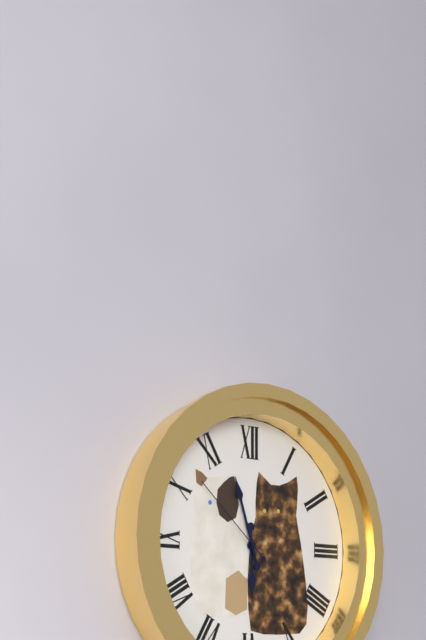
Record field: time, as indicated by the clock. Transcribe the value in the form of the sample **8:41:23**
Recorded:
**5:57:52**
